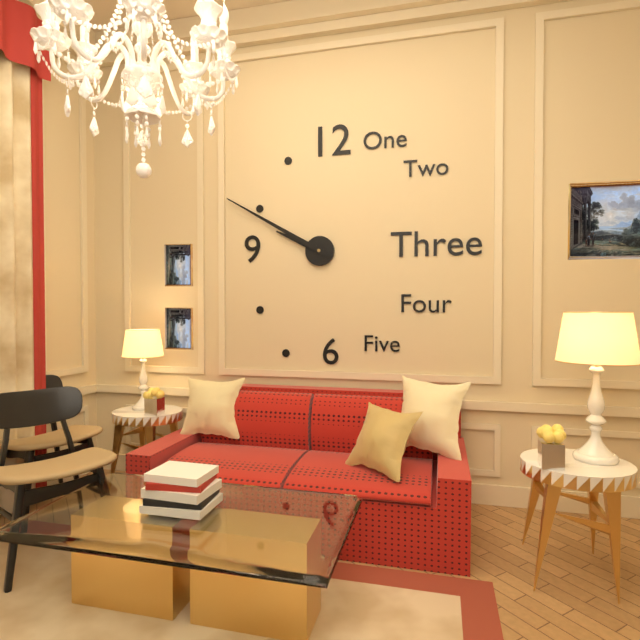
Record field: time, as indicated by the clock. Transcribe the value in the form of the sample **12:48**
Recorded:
**9:50**
